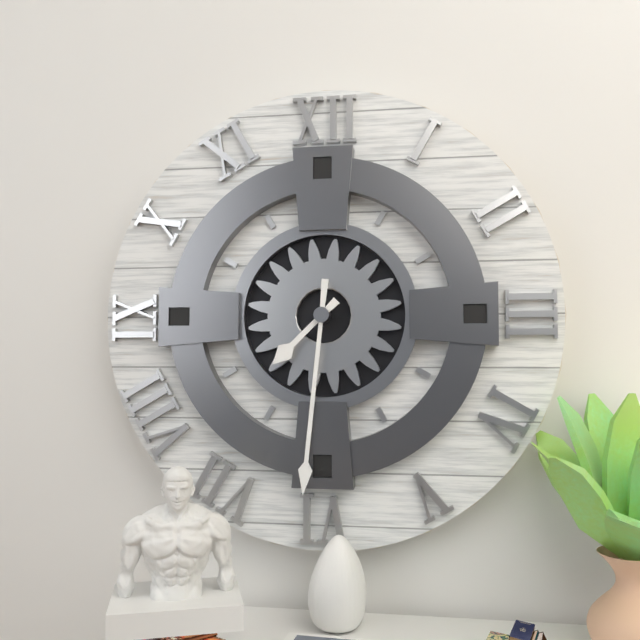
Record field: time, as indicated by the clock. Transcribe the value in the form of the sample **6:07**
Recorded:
**7:31**
